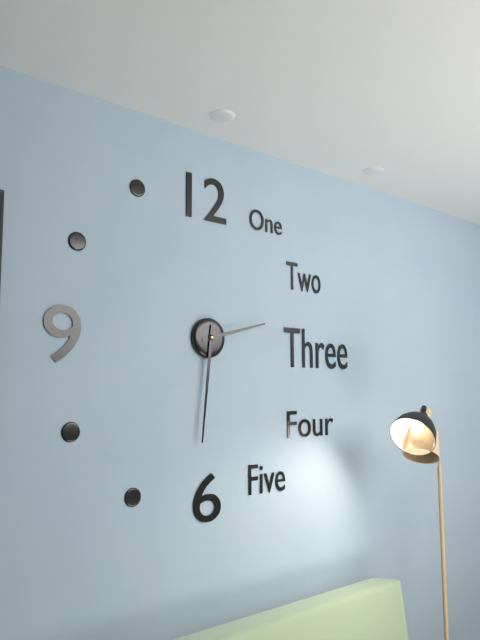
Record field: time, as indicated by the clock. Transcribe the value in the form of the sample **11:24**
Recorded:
**2:31**
